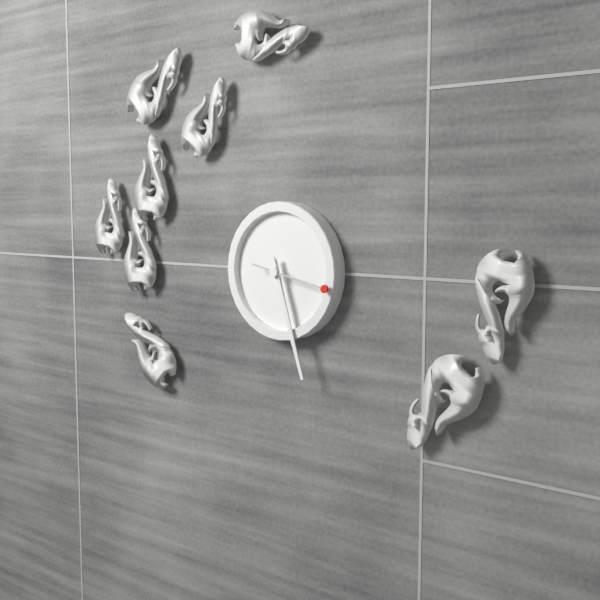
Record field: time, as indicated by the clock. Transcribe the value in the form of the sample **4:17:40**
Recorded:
**5:27:17**
